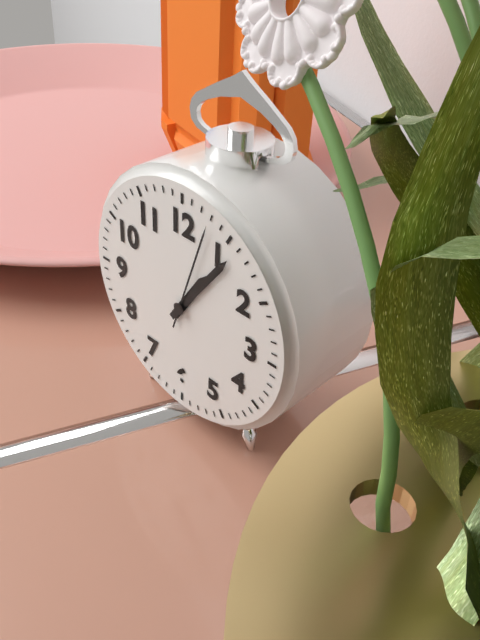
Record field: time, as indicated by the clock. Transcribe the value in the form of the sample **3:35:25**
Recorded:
**1:06:03**
